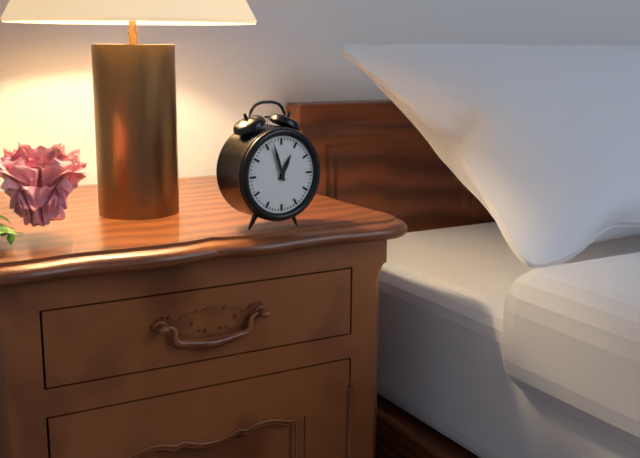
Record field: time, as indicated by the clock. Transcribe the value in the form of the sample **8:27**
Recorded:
**12:57**
